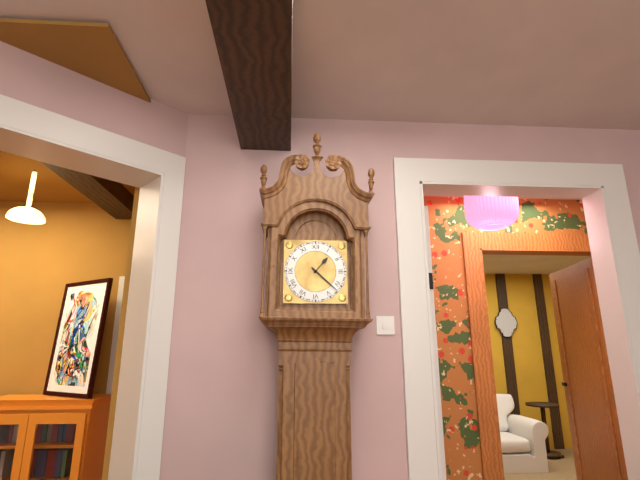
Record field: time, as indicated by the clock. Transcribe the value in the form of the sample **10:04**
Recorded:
**1:22**
